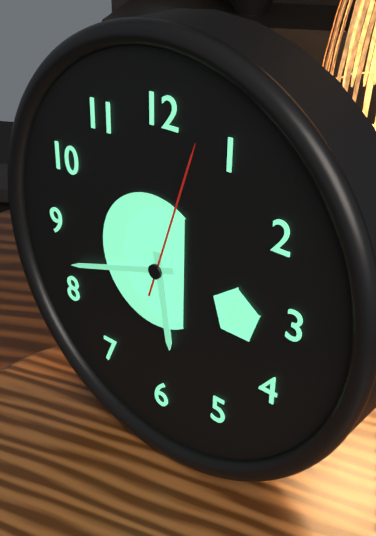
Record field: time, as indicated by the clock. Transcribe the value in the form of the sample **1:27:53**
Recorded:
**5:42:03**
